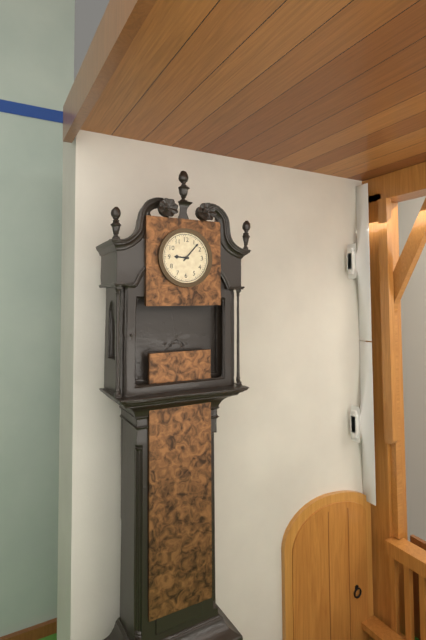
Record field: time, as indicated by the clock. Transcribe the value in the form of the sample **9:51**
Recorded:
**9:07**
